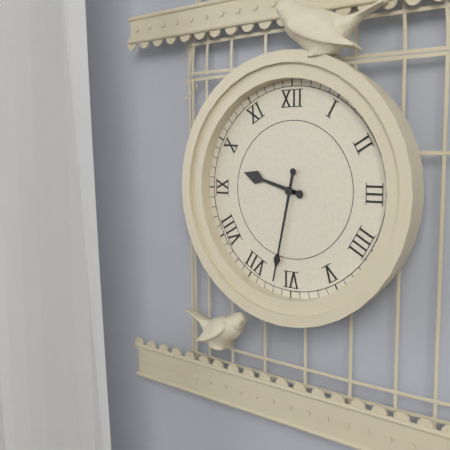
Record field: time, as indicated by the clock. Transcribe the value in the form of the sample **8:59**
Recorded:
**9:32**
